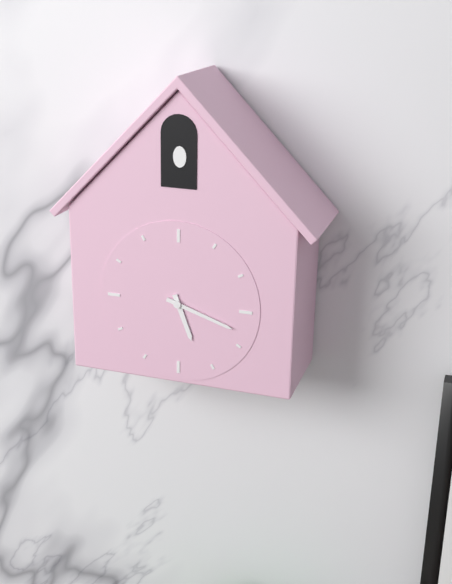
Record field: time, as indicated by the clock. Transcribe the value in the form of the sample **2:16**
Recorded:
**5:18**
